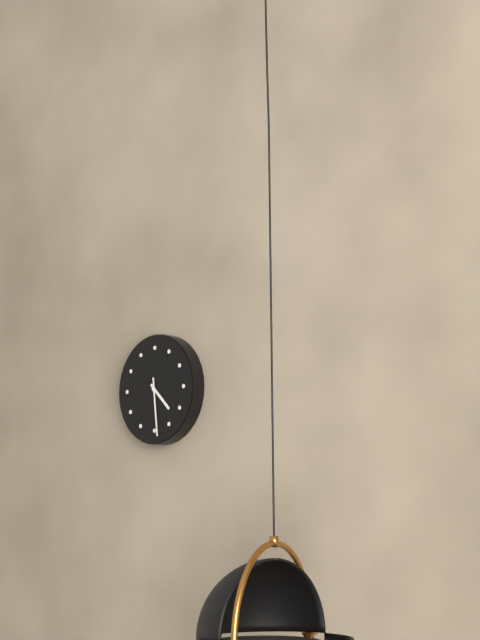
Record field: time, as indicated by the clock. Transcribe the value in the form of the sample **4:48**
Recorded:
**4:29**
